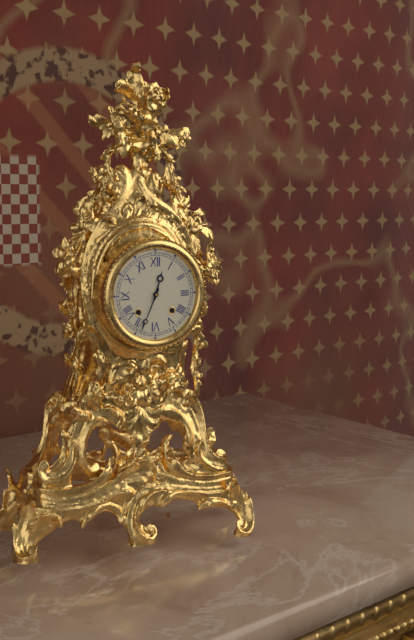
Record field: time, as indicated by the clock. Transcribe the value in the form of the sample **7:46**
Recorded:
**12:34**
